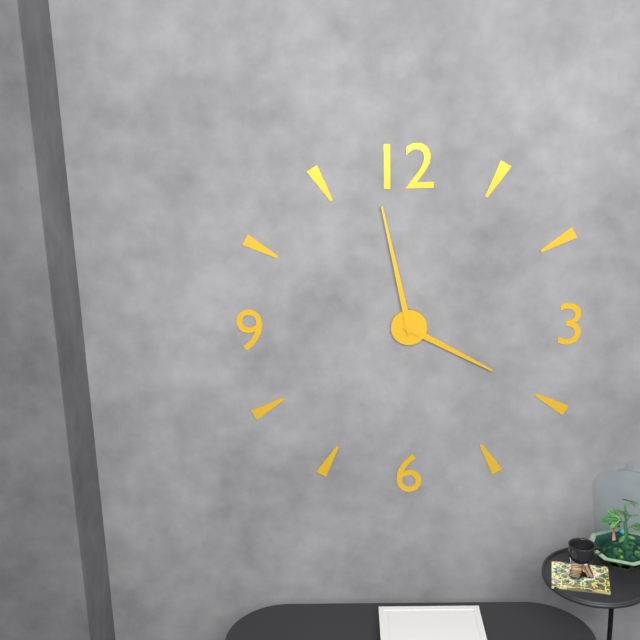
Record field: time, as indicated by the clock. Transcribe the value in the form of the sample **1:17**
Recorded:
**3:58**
